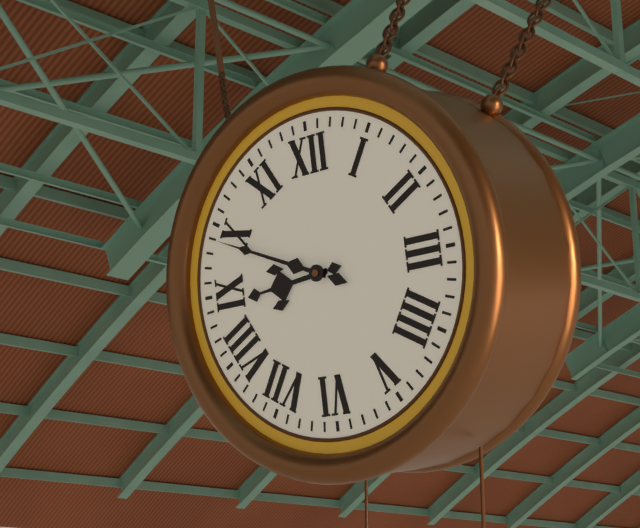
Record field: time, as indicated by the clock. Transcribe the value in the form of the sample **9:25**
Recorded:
**8:49**
